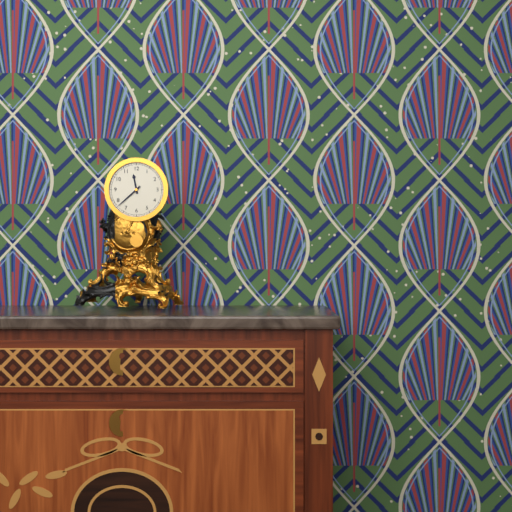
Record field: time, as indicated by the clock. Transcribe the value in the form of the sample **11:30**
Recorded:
**11:38**
